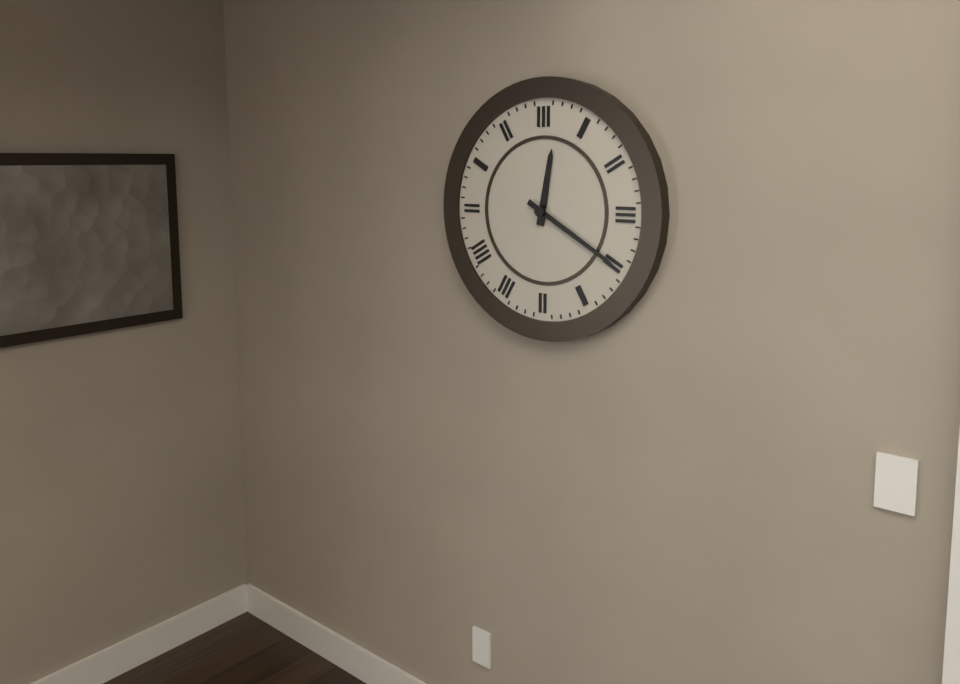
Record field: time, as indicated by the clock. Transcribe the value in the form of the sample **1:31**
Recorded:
**12:20**
